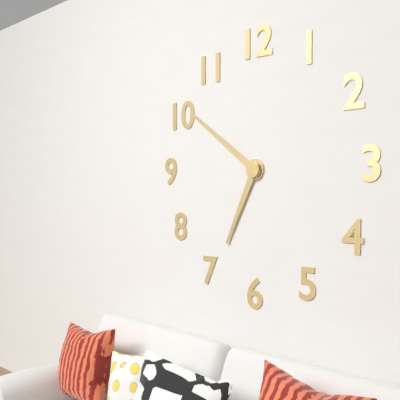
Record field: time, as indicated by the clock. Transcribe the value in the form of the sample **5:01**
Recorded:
**6:51**
